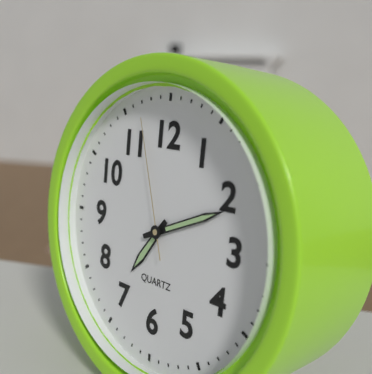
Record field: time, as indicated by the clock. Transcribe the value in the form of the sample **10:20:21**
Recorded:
**7:11:57**
